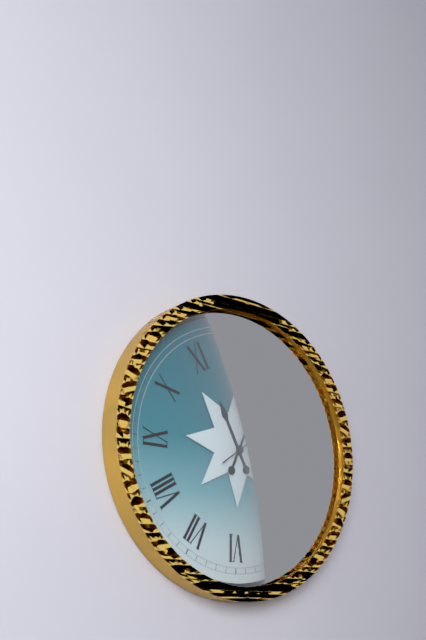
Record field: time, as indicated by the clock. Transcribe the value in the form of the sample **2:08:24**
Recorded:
**11:04:09**
